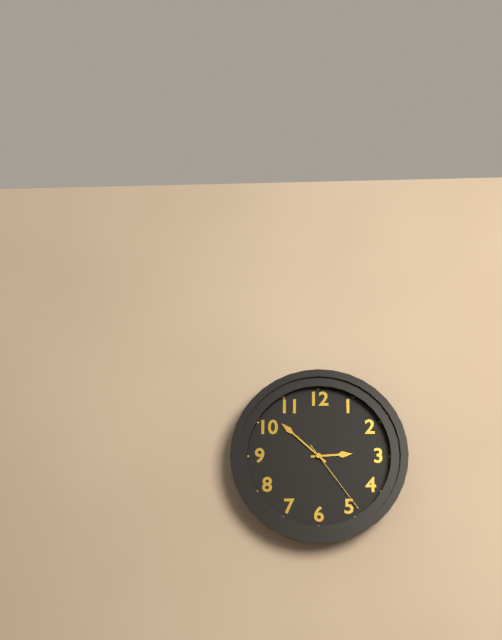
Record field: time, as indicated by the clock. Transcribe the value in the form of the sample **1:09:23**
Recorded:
**2:52:24**
